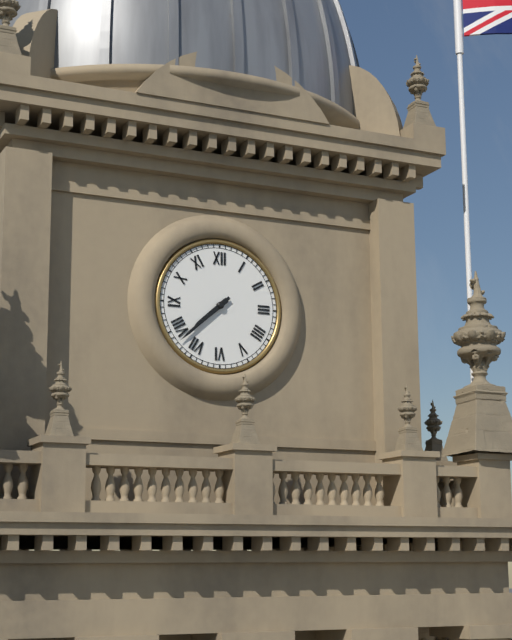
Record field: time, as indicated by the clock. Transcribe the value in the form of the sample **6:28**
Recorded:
**7:38**
